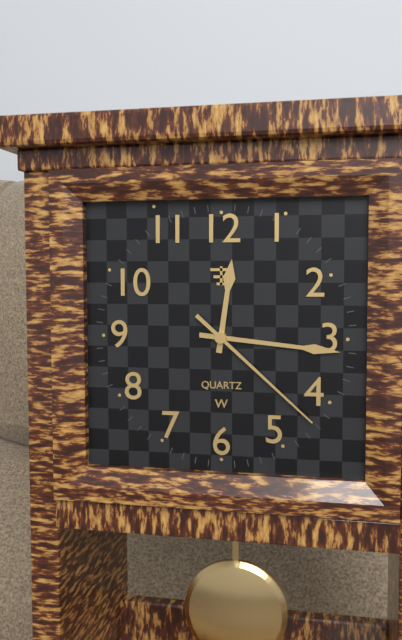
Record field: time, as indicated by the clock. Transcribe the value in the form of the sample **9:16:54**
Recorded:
**12:16:22**
